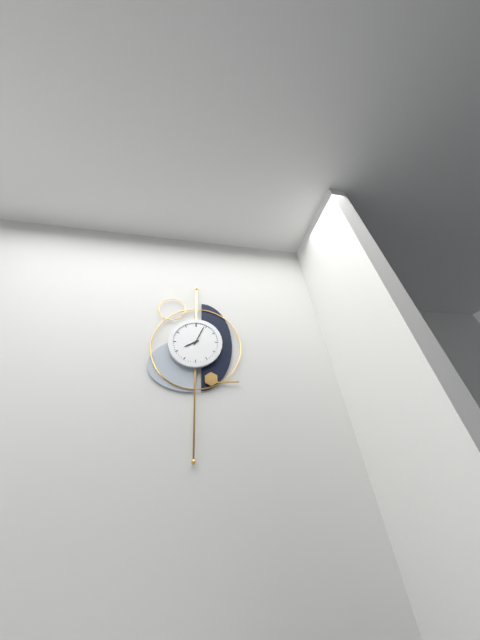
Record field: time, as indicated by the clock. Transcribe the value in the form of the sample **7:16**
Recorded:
**8:04**
